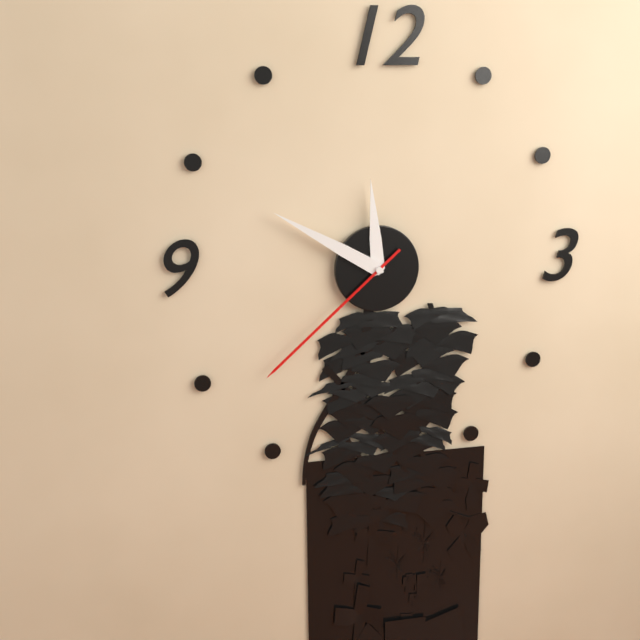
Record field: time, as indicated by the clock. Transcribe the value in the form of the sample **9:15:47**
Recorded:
**11:50:38**
